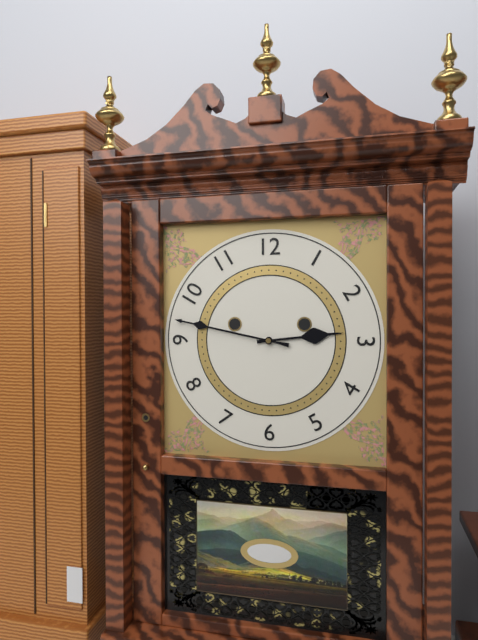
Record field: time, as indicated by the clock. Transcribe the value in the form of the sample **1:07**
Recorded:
**2:47**
